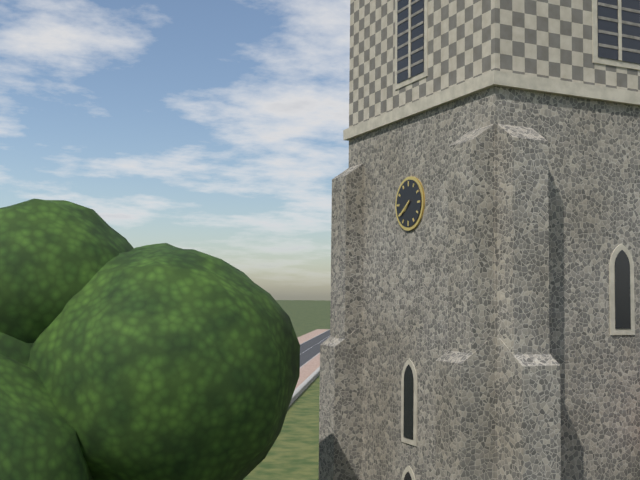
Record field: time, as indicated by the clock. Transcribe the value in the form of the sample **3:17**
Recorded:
**7:39**
